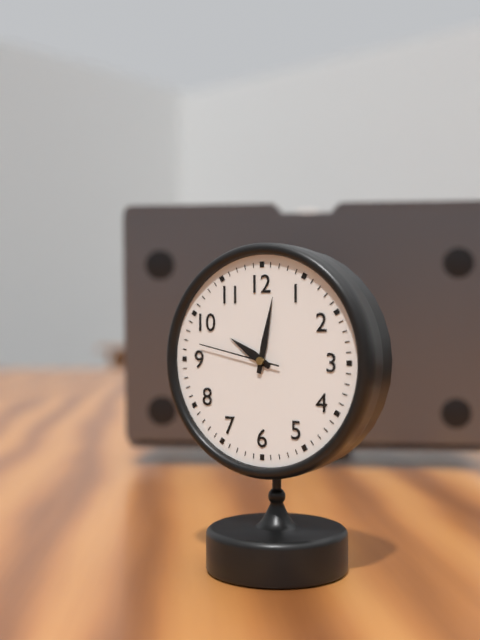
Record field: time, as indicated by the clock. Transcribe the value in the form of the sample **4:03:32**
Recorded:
**10:02:47**
